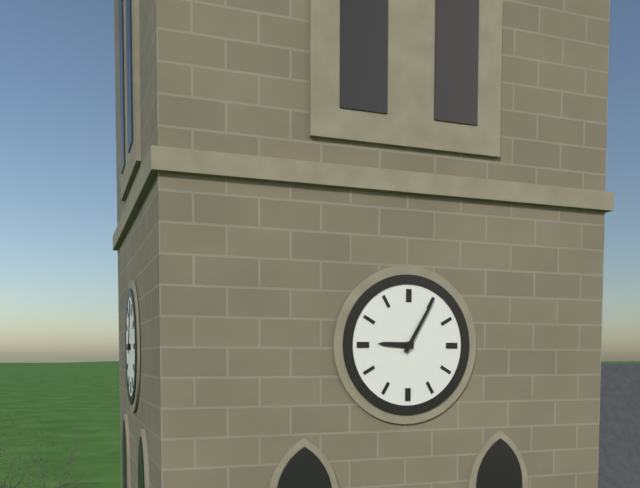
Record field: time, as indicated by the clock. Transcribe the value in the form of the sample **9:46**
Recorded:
**9:05**
